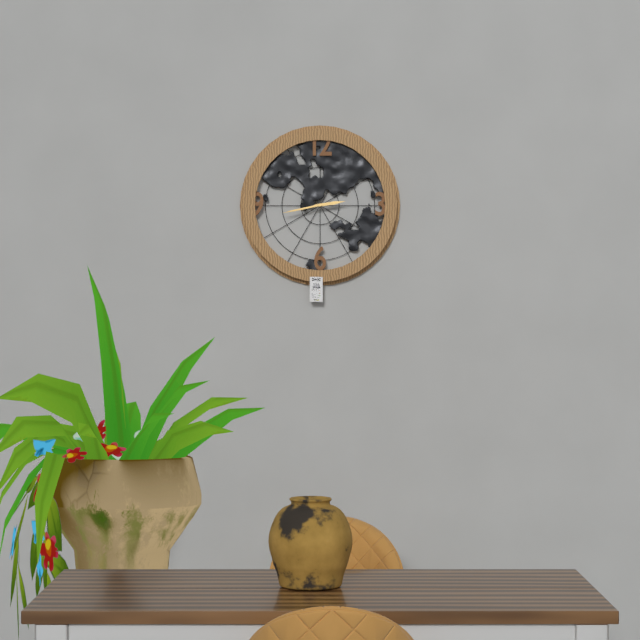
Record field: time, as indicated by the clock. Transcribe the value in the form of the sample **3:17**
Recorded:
**2:43**
